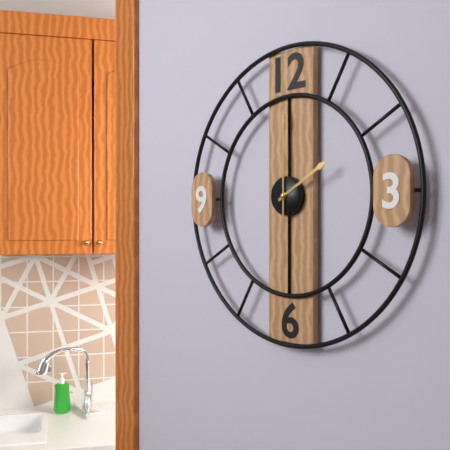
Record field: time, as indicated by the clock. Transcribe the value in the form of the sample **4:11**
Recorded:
**2:00**
